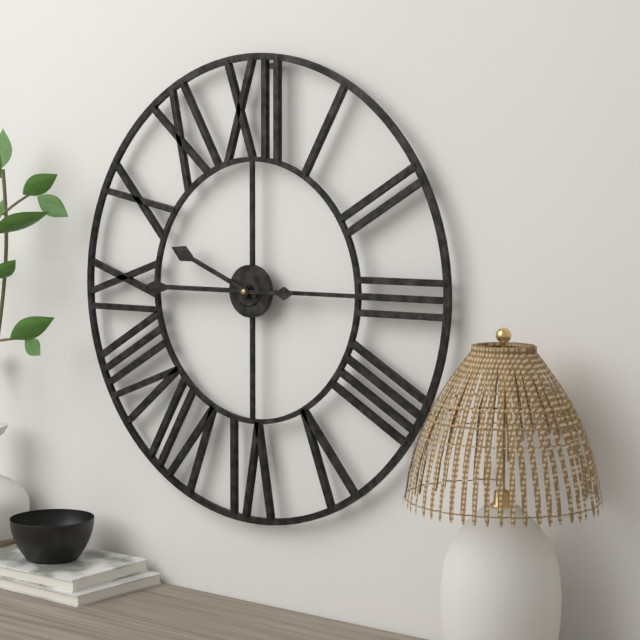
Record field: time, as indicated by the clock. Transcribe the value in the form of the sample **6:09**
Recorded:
**9:45**
